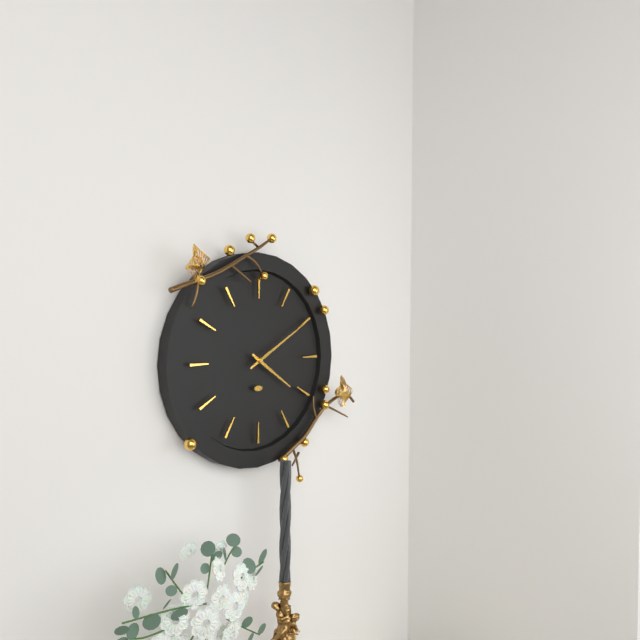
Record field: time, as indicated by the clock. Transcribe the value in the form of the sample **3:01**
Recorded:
**4:10**
